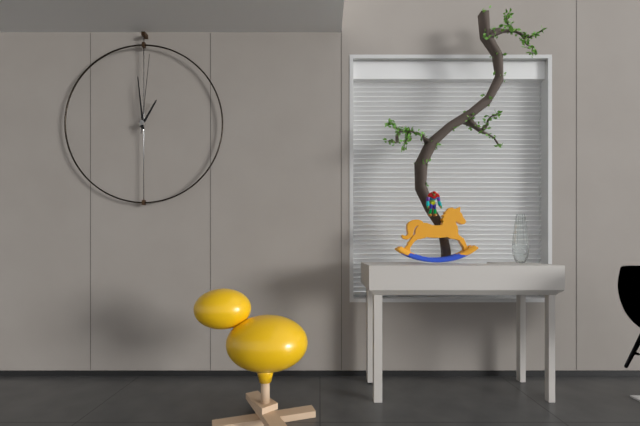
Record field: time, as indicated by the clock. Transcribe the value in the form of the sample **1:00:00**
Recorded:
**12:59:01**
